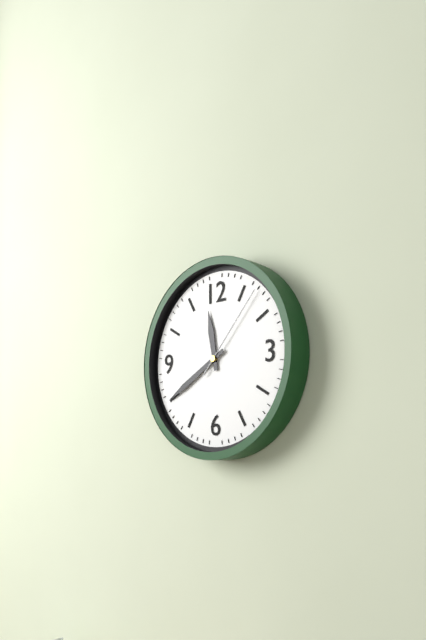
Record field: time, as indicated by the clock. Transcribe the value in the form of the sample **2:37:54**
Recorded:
**11:40:07**
